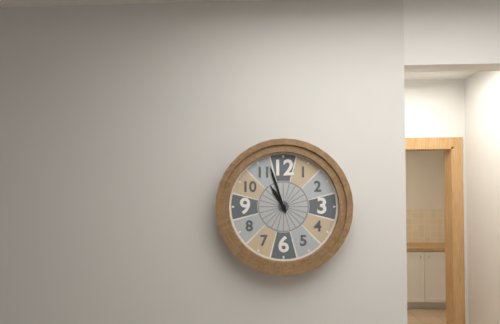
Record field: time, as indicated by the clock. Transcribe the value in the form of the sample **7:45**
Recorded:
**10:57**
